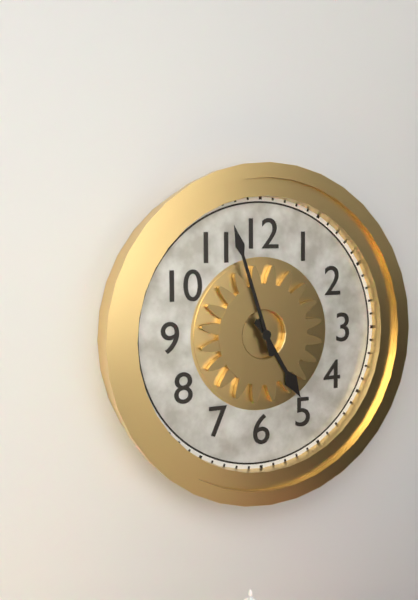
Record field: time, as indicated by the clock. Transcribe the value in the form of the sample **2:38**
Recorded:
**4:57**
